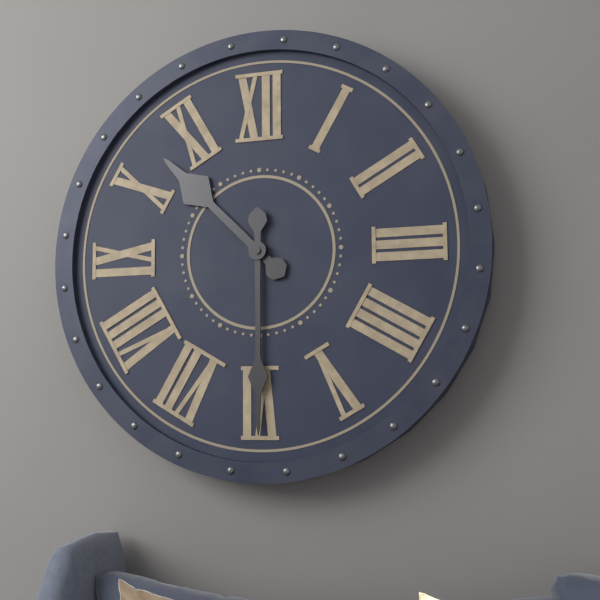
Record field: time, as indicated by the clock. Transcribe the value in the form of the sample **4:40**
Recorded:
**10:30**
